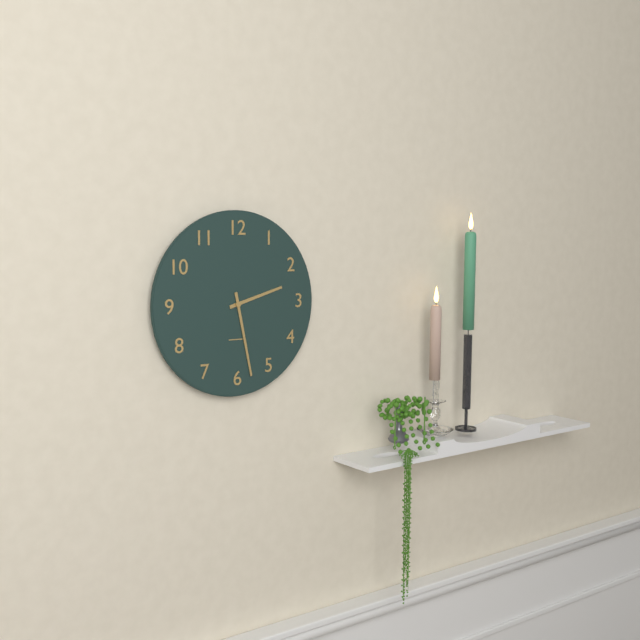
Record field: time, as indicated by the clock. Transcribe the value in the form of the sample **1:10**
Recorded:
**2:28**
